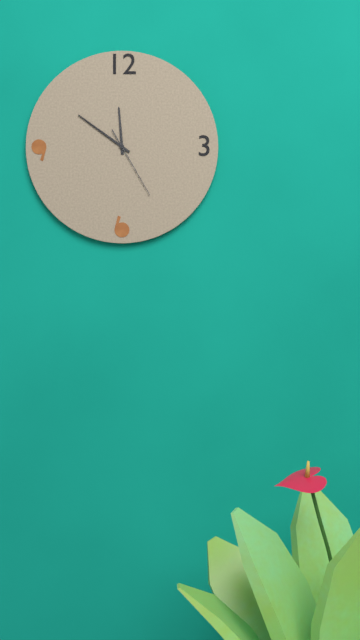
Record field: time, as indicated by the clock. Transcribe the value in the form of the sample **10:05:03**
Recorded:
**11:51:25**
